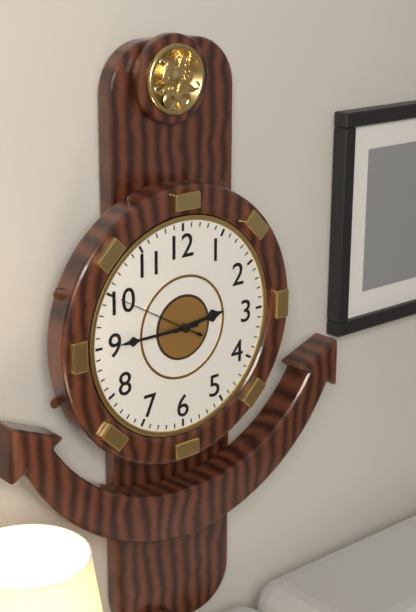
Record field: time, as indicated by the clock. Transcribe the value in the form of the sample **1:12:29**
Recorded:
**2:45:50**
